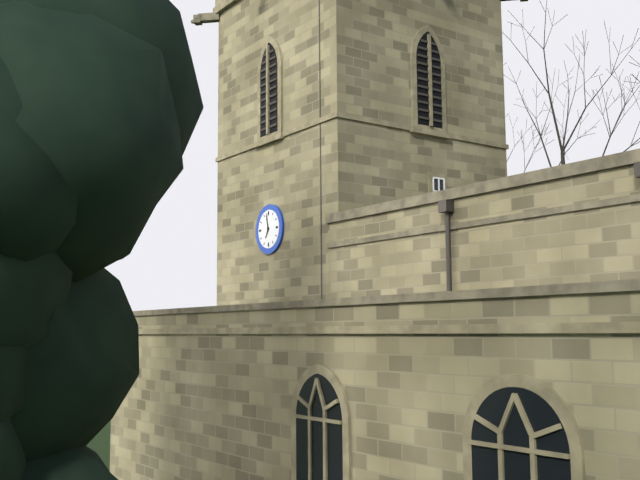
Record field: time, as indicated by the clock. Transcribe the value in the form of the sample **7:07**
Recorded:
**6:58**
